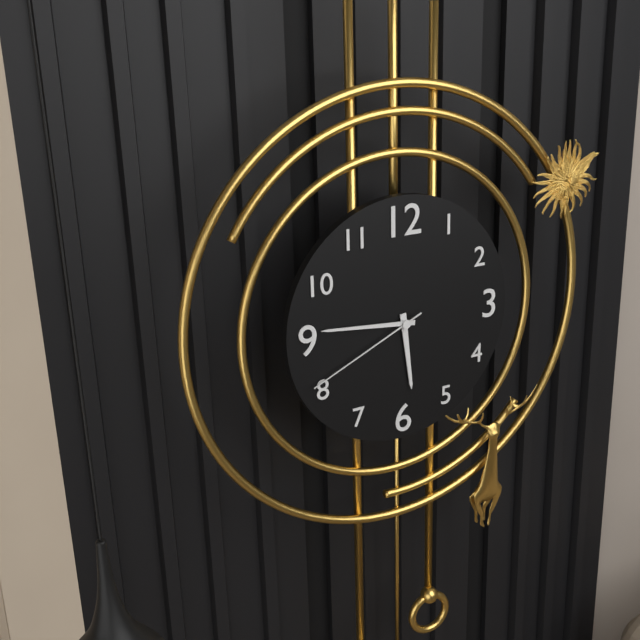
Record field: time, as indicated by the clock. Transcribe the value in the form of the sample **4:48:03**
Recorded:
**5:46:41**
